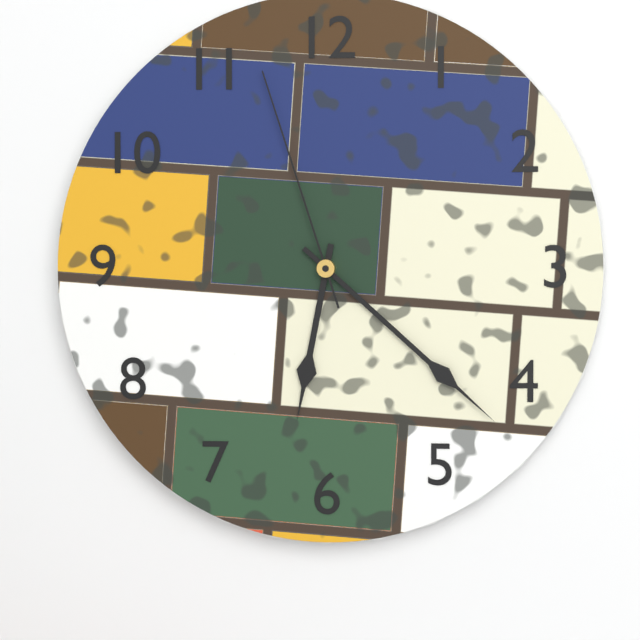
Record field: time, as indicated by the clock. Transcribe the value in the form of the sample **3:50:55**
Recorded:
**6:22:57**
